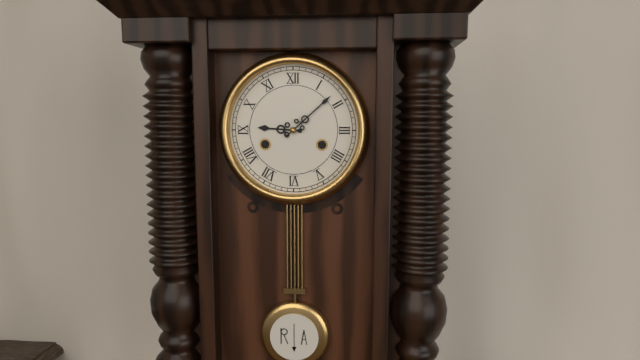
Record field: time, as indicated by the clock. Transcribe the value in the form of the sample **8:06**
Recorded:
**9:08**
